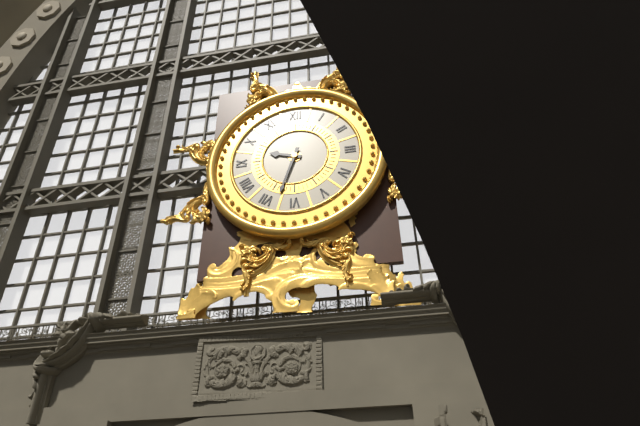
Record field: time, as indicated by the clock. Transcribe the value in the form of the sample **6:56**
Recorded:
**9:33**
